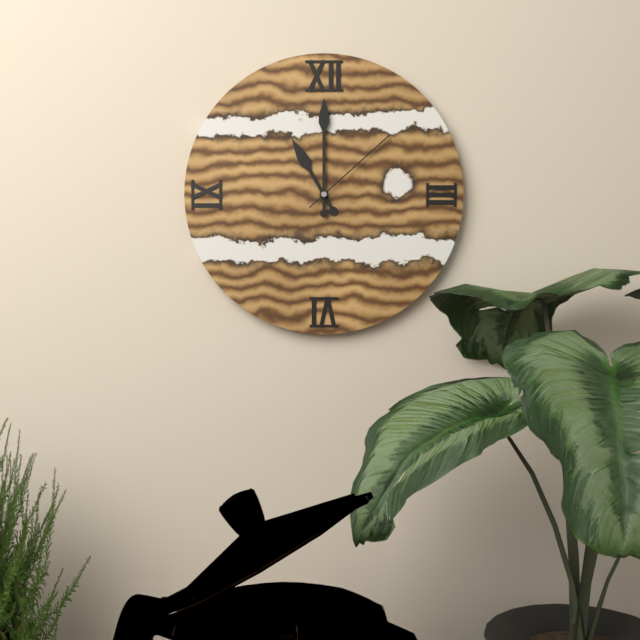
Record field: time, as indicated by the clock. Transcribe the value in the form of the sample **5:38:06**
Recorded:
**11:00:08**
